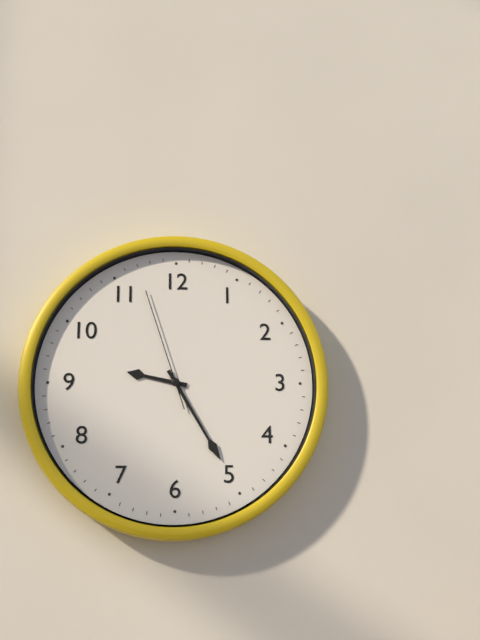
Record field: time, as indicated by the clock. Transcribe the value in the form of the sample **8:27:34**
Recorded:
**9:25:57**
